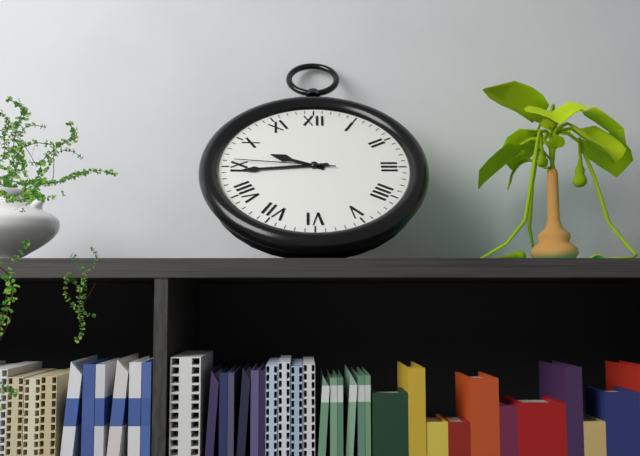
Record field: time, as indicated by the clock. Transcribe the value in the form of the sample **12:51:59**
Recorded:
**9:44:46**
